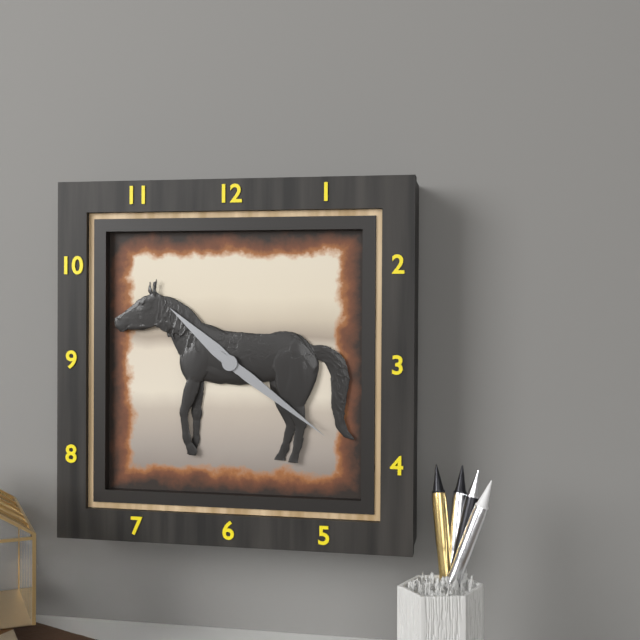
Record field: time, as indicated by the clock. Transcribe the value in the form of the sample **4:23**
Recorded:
**10:21**
